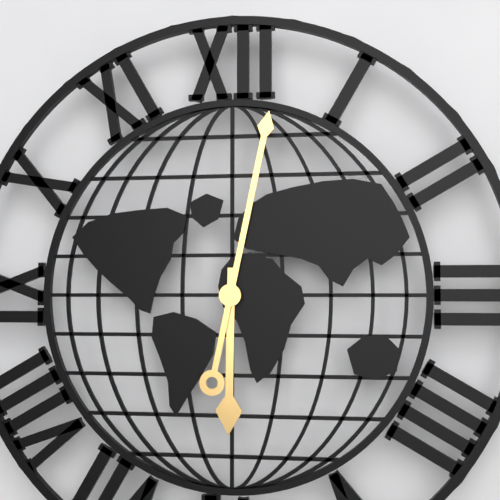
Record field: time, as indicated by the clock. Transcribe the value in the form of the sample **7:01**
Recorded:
**6:02**
